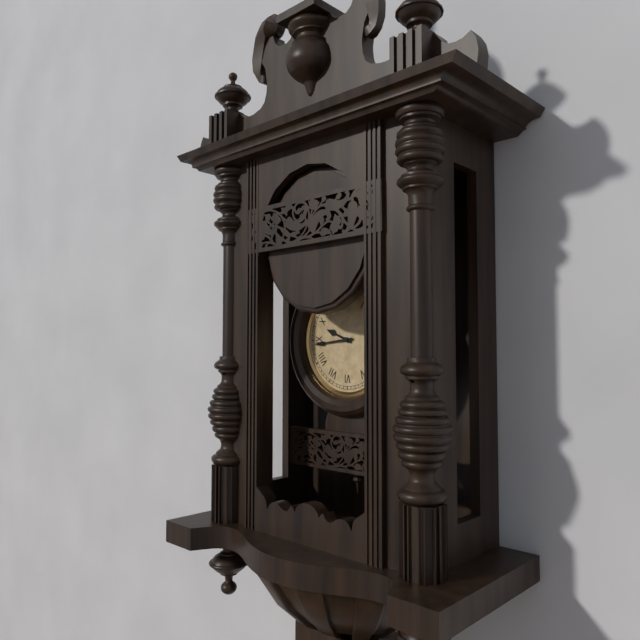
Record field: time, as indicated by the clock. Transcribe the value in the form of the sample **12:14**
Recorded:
**9:44**
